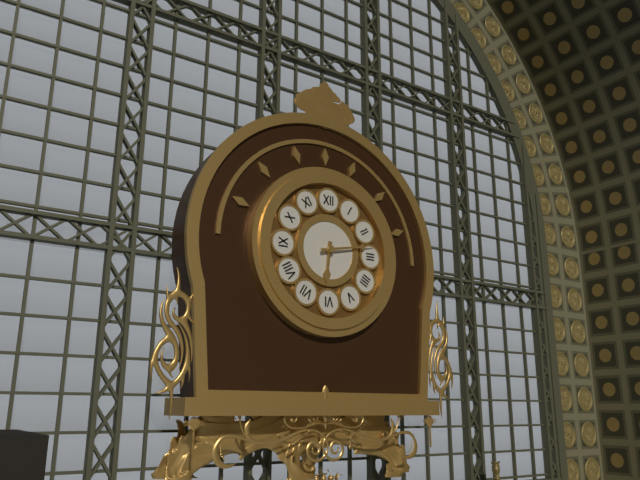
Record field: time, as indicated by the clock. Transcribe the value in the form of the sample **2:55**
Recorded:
**6:13**
